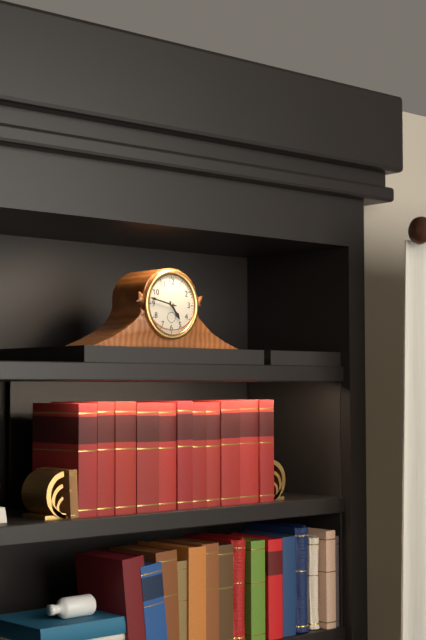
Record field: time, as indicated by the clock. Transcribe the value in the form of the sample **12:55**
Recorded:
**4:47**
